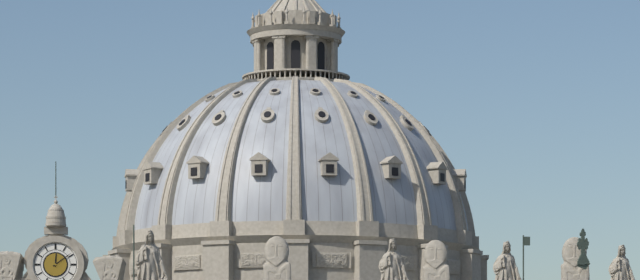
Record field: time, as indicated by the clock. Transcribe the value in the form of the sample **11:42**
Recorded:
**12:09**
